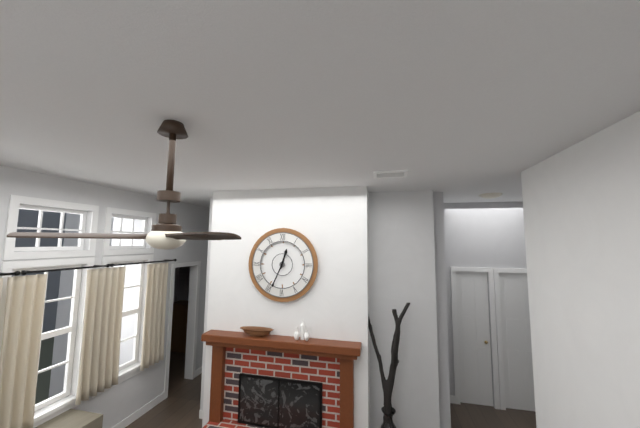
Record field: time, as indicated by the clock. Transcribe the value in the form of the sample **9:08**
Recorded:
**12:34**
